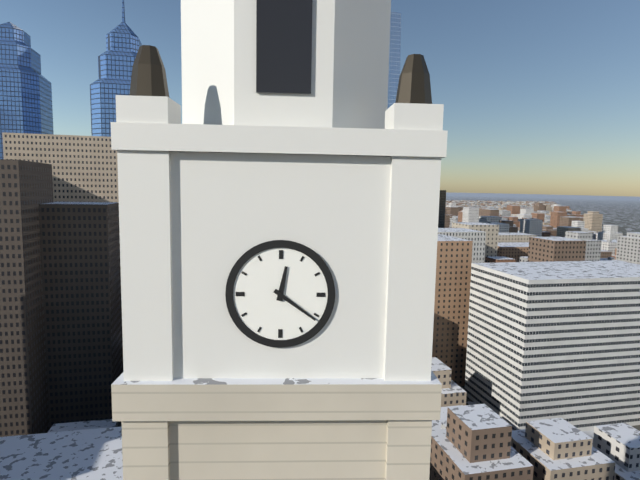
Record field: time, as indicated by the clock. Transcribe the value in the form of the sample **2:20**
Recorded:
**12:21**
